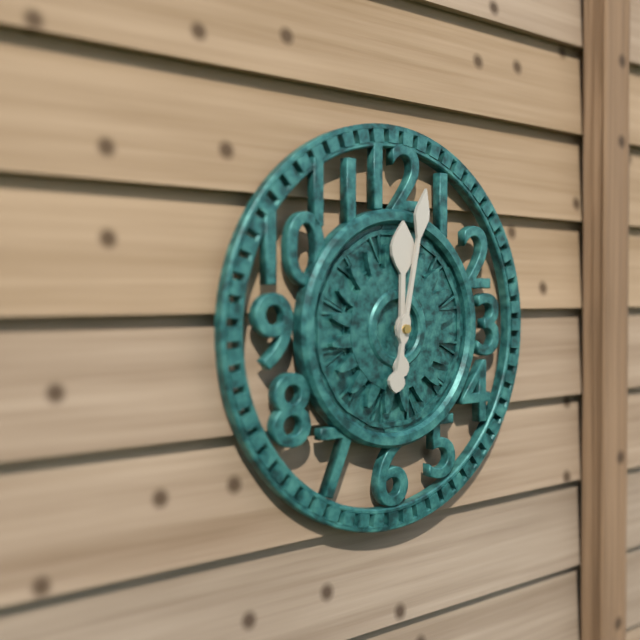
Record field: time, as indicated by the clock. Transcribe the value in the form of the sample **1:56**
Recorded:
**12:02**
